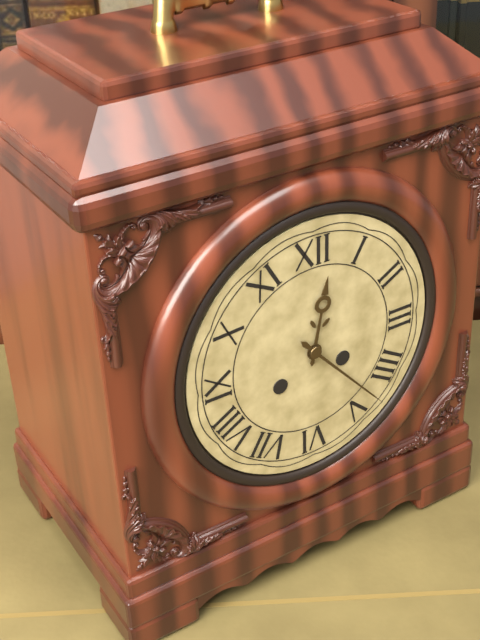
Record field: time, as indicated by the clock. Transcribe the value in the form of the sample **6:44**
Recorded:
**12:23**
